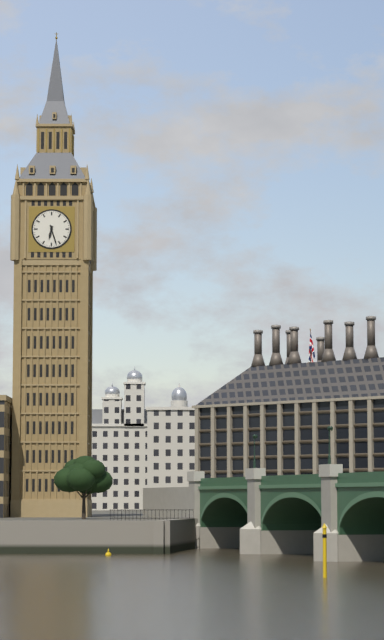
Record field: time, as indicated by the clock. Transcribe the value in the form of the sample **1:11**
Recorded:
**6:27**
